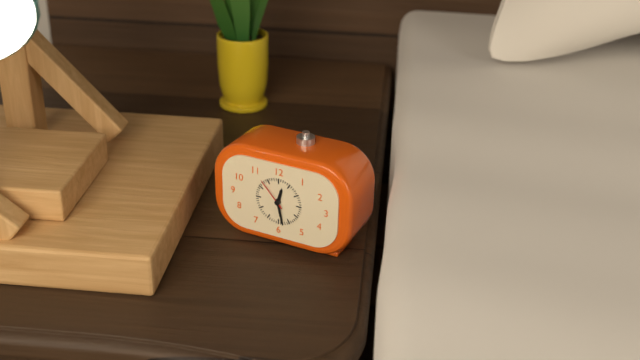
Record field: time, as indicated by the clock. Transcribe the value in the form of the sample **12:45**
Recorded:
**12:28**
